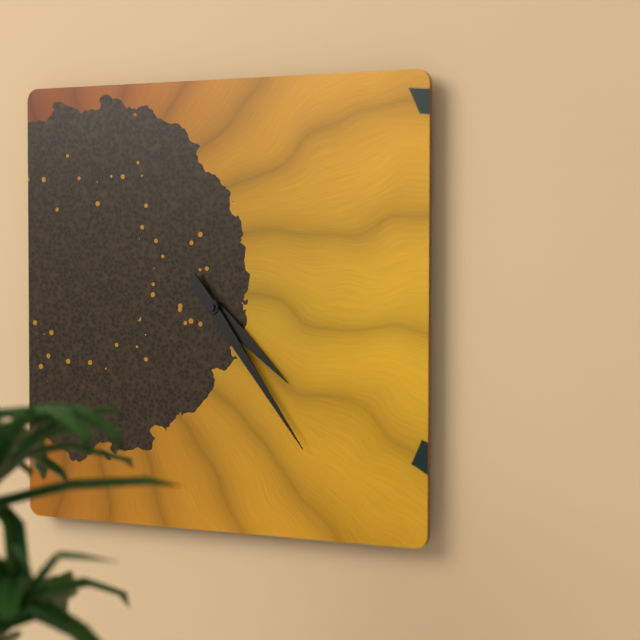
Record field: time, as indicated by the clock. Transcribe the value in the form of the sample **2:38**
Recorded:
**4:24**
